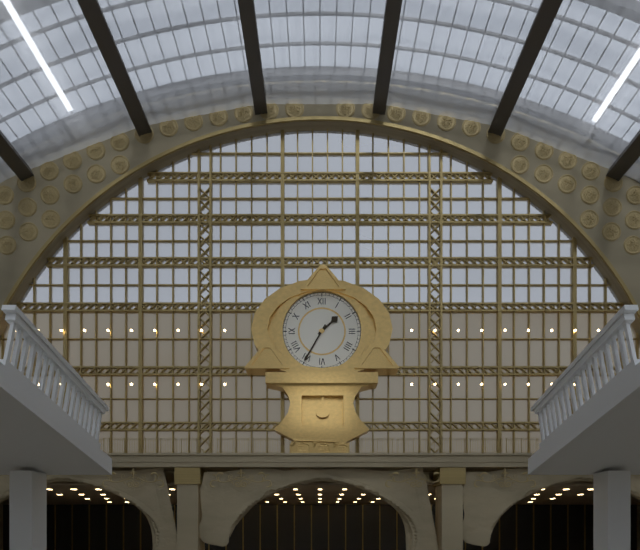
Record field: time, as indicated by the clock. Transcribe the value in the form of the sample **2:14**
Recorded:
**1:35**
